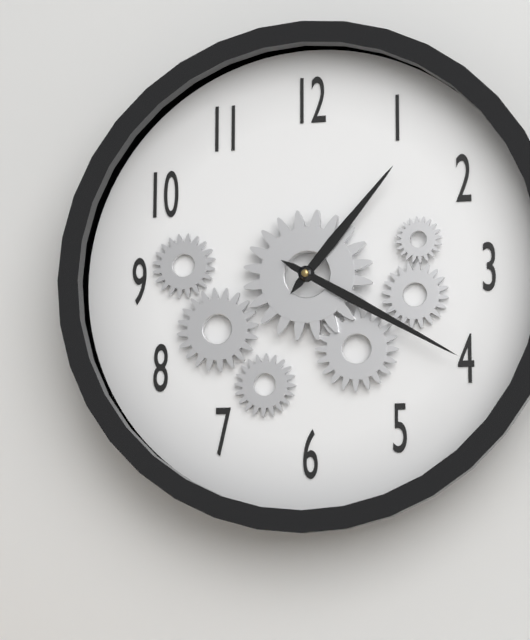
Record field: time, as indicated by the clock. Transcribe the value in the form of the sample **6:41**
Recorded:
**1:20**
